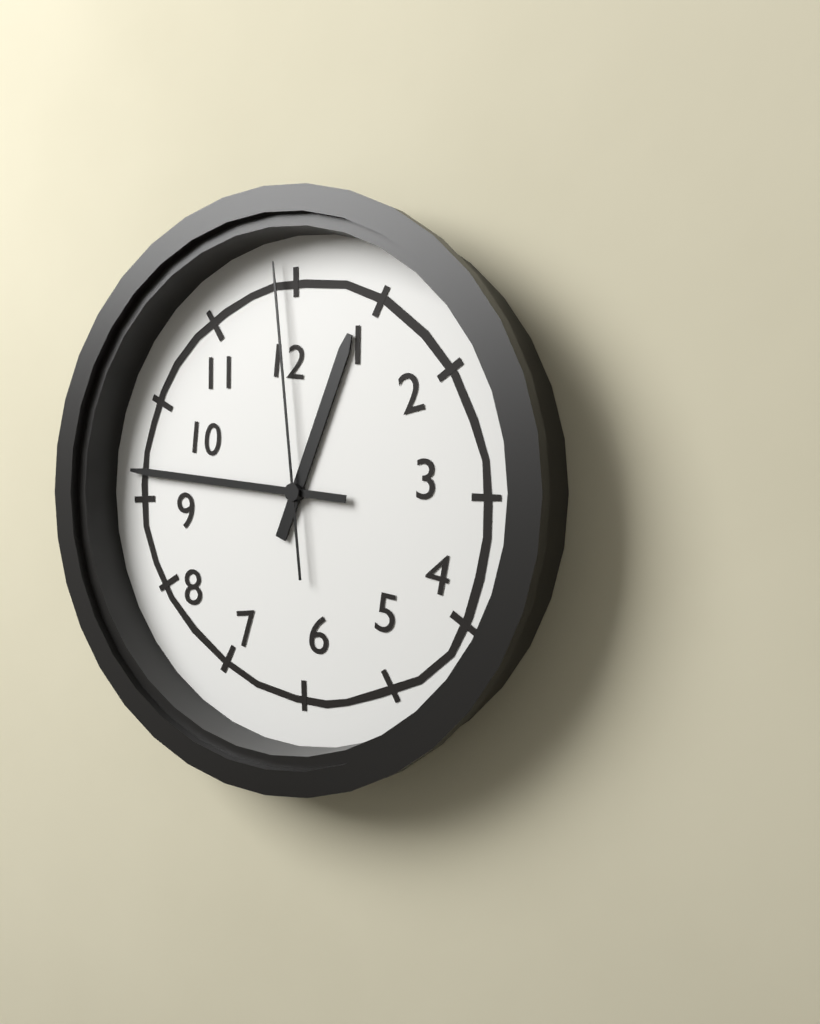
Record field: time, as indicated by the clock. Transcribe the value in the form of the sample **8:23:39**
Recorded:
**12:46:59**
